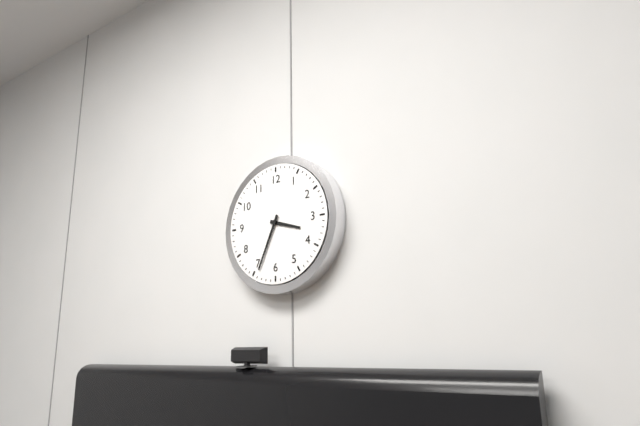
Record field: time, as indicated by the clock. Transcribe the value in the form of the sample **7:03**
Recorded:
**3:34**
